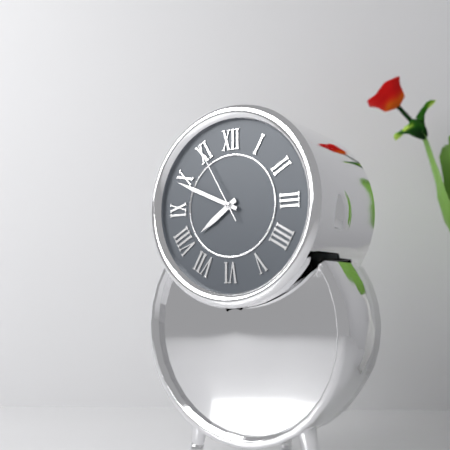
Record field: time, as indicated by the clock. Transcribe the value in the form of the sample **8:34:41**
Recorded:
**7:49:55**
